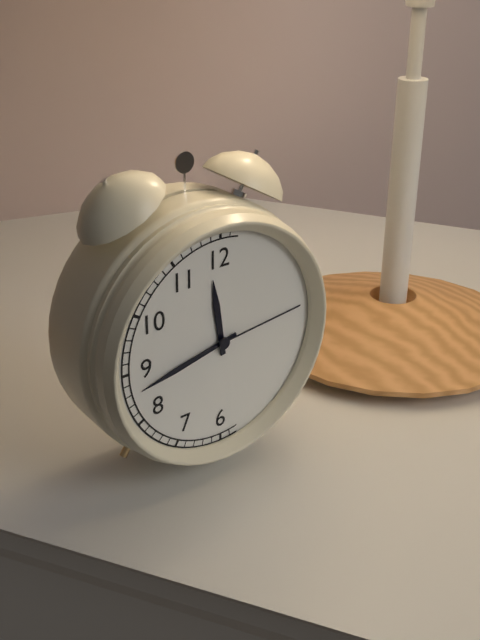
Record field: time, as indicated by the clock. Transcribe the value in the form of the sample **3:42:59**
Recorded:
**11:43:14**
